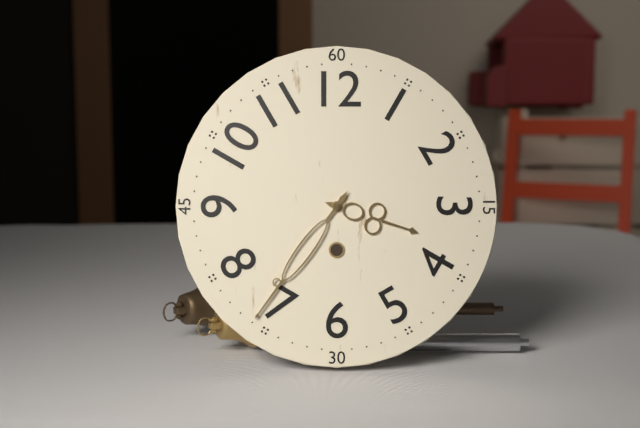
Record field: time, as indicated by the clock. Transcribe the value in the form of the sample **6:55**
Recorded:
**3:36**
